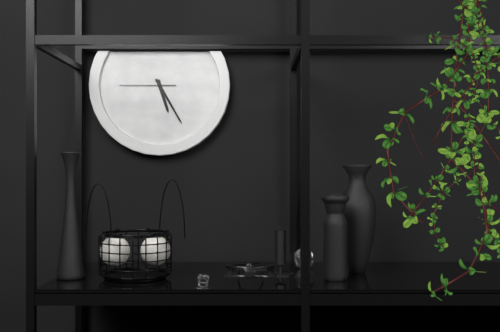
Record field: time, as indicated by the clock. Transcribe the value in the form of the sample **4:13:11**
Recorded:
**5:25:45**
